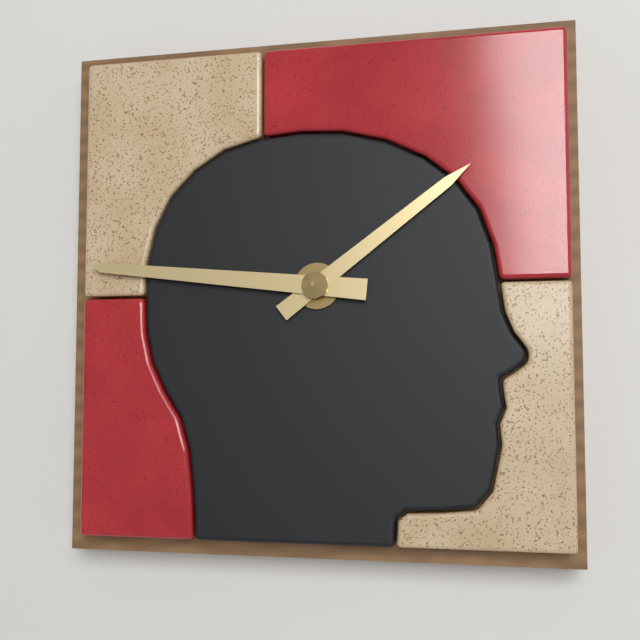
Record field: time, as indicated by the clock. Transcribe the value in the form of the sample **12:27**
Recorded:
**1:46**
